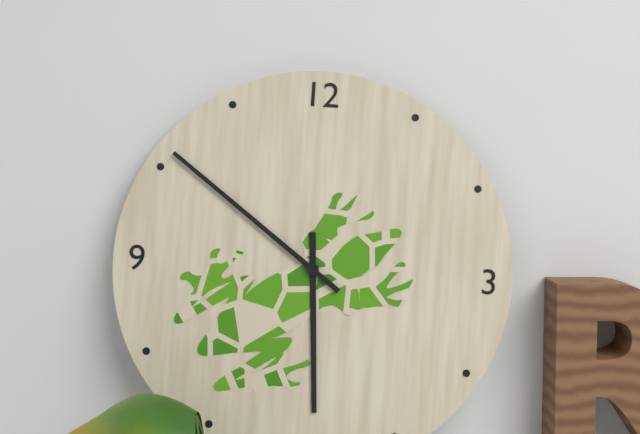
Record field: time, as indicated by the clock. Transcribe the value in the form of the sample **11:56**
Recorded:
**5:51**
